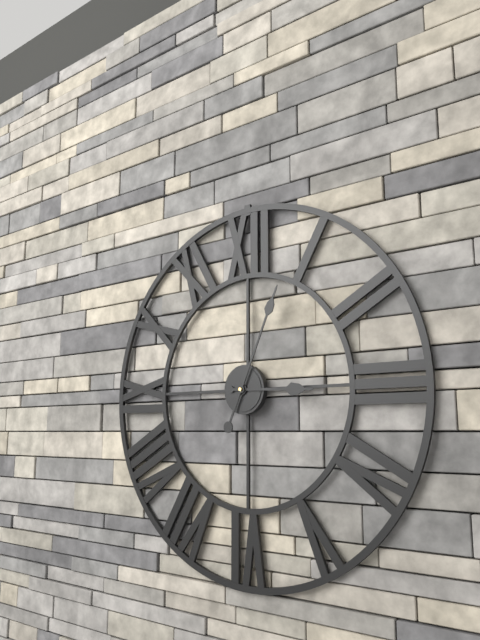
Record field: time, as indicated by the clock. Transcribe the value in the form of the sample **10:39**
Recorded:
**3:04**
